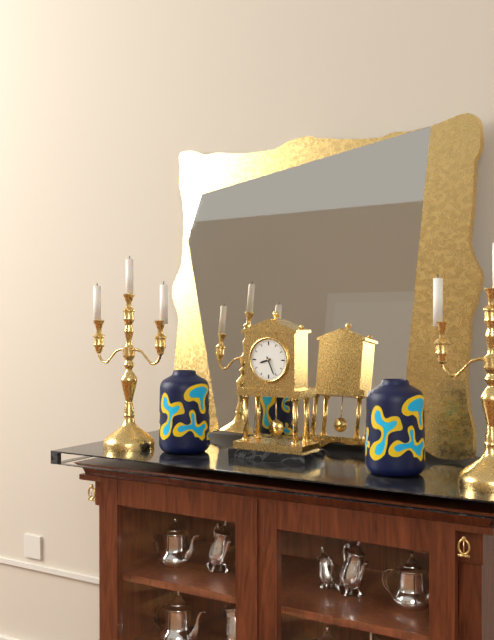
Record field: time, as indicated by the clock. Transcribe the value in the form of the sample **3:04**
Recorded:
**8:26**
